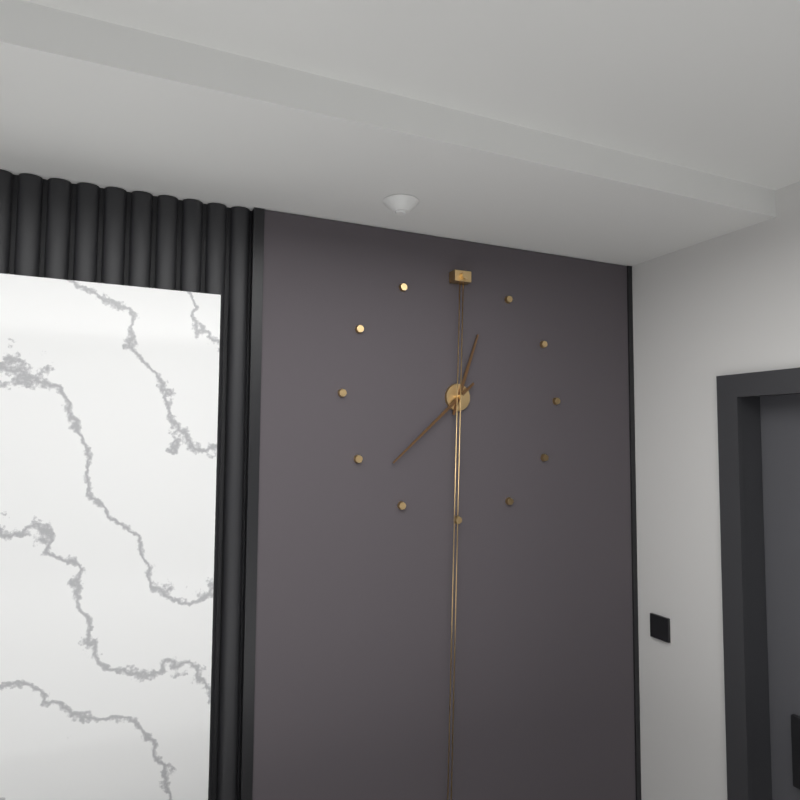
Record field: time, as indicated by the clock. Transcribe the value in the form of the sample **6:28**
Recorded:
**12:38**
